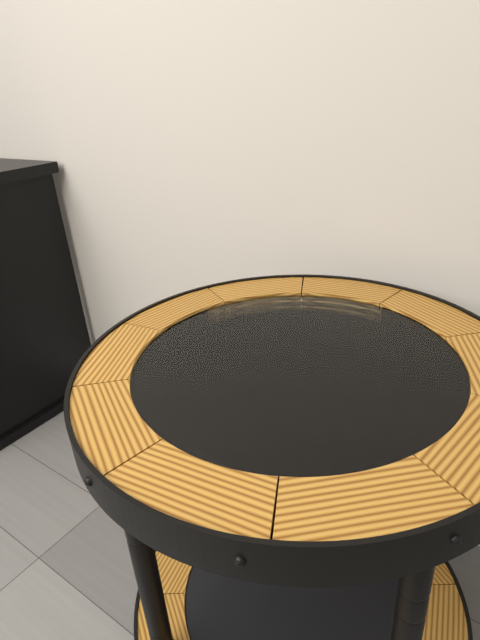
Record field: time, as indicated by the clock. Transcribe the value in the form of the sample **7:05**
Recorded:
**7:42**
